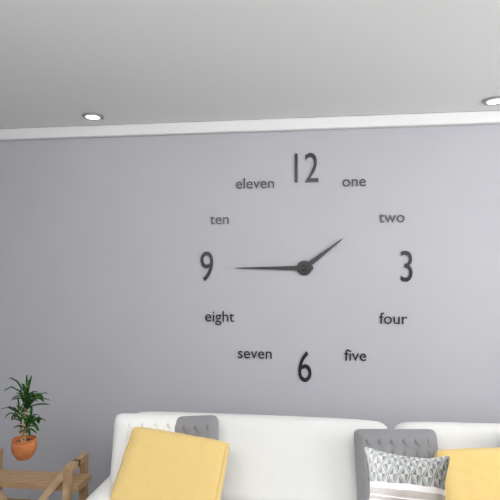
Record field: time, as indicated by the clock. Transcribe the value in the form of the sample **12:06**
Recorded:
**1:45**
